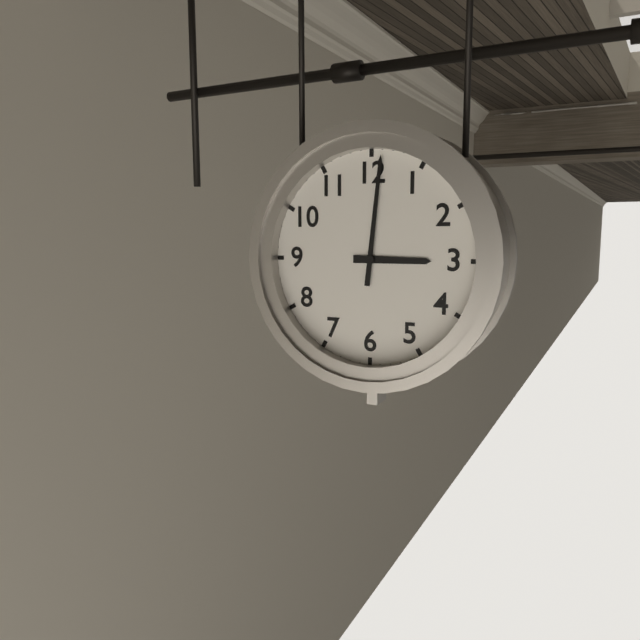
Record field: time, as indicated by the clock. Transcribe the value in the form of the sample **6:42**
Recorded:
**3:01**
